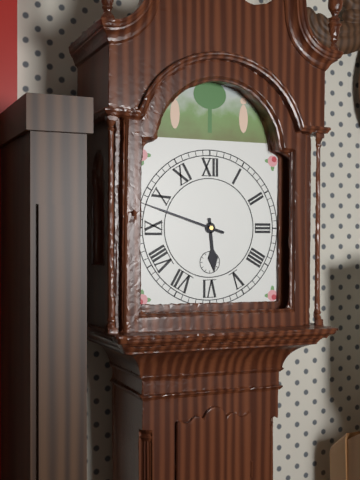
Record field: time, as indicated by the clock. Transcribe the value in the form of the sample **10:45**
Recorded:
**5:48**
